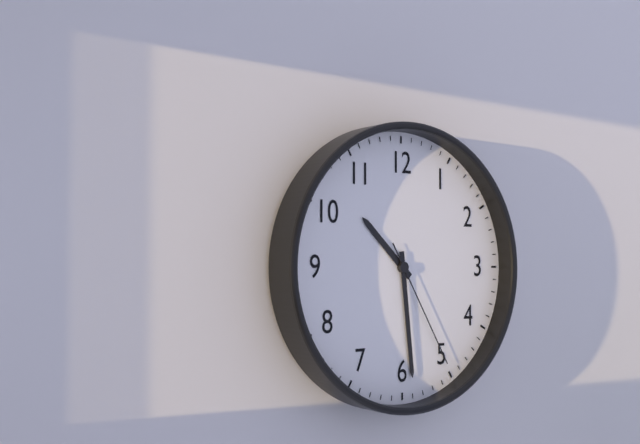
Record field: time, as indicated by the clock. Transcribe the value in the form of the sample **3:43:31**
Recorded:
**10:29:25**
